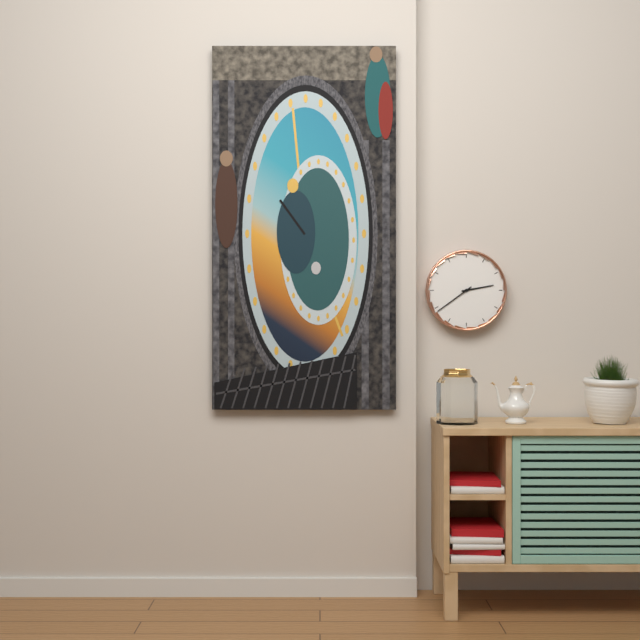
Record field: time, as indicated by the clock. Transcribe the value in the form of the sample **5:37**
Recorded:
**2:39**
